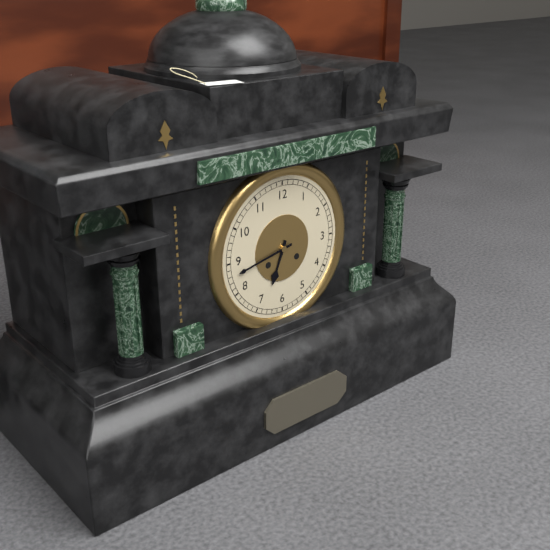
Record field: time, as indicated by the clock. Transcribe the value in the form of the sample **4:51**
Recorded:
**6:43**
